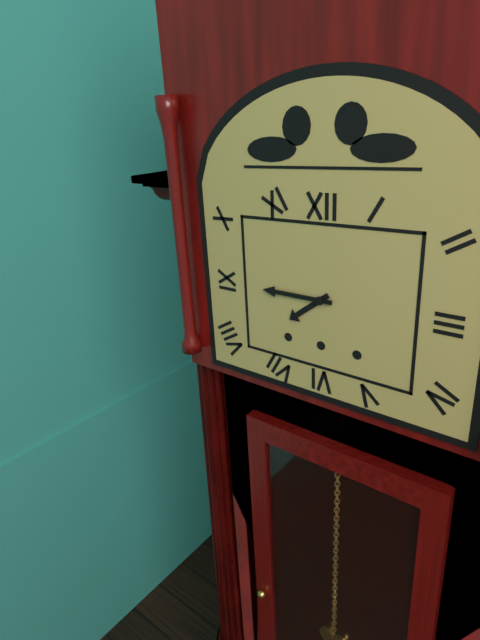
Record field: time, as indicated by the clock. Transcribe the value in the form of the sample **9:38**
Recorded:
**7:45**
